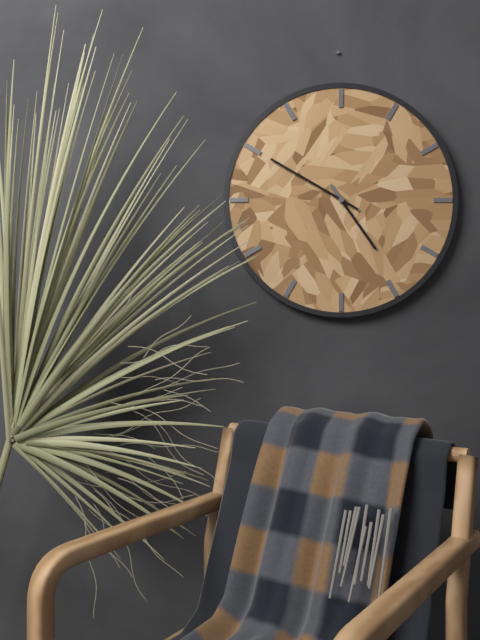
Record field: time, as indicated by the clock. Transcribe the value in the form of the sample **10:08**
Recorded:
**4:50**
